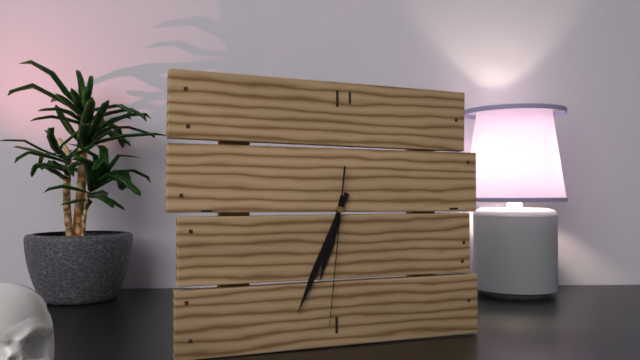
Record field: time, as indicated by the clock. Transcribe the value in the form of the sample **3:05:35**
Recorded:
**6:34:31**
